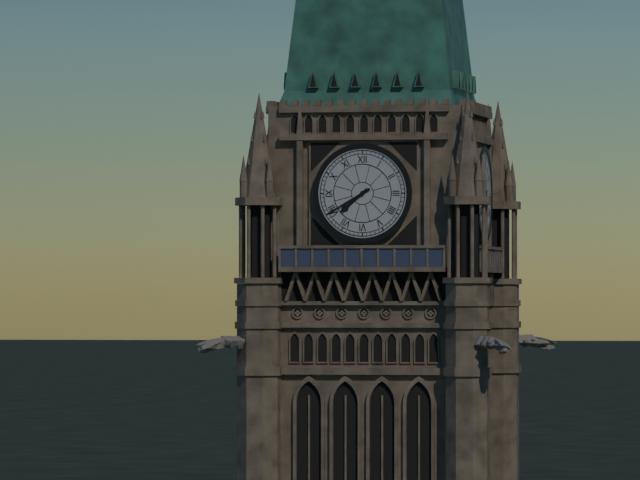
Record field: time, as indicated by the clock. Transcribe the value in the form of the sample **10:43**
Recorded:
**7:40**
